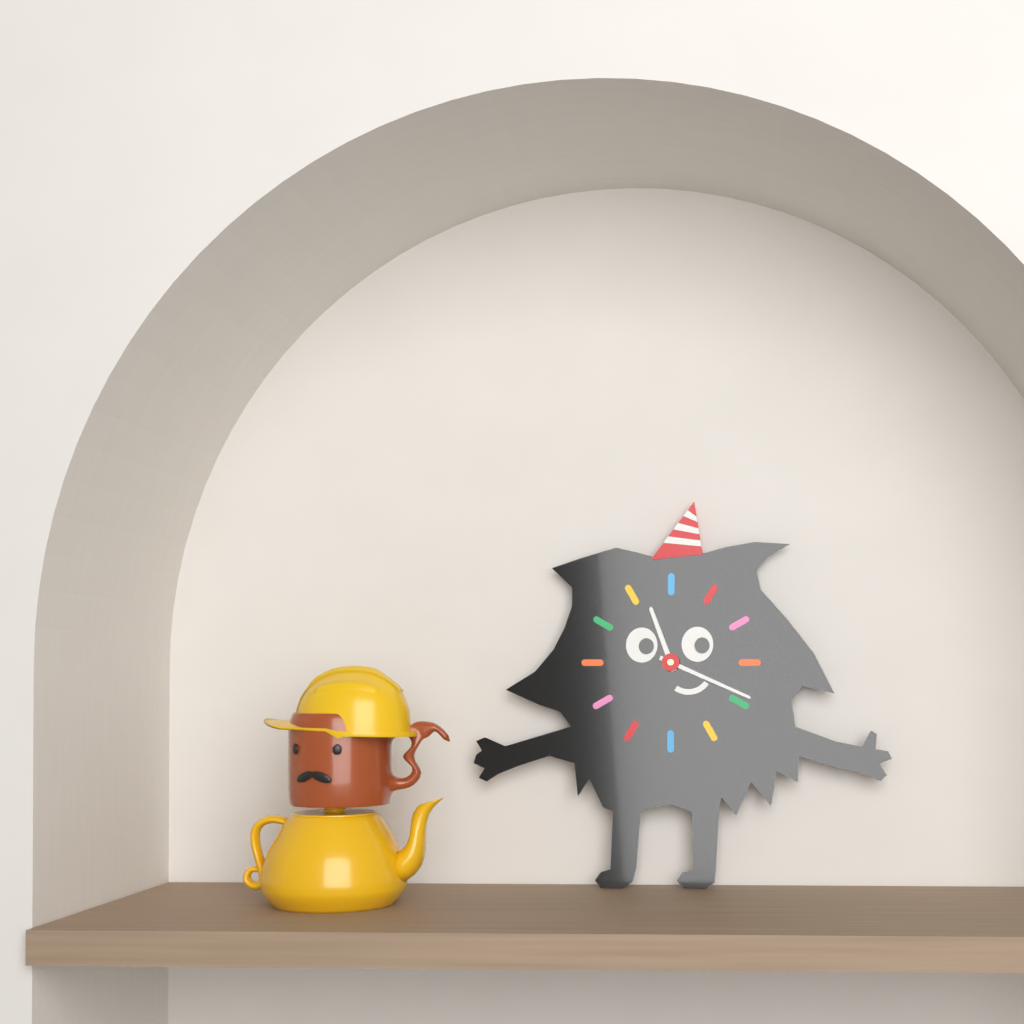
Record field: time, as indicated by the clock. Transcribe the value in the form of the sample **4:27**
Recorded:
**11:19**
